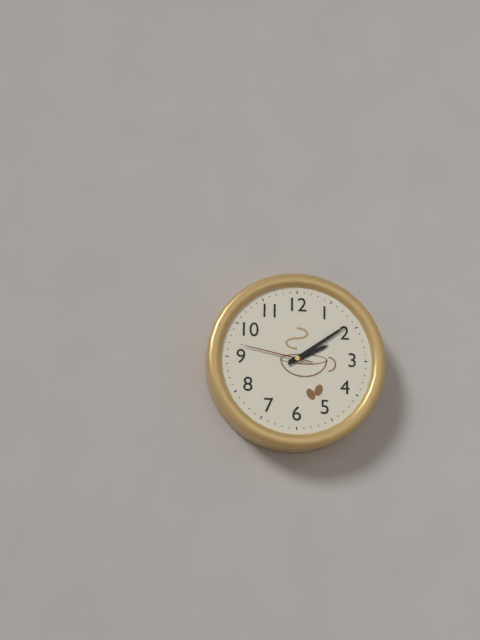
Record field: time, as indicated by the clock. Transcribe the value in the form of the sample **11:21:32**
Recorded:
**2:09:47**
